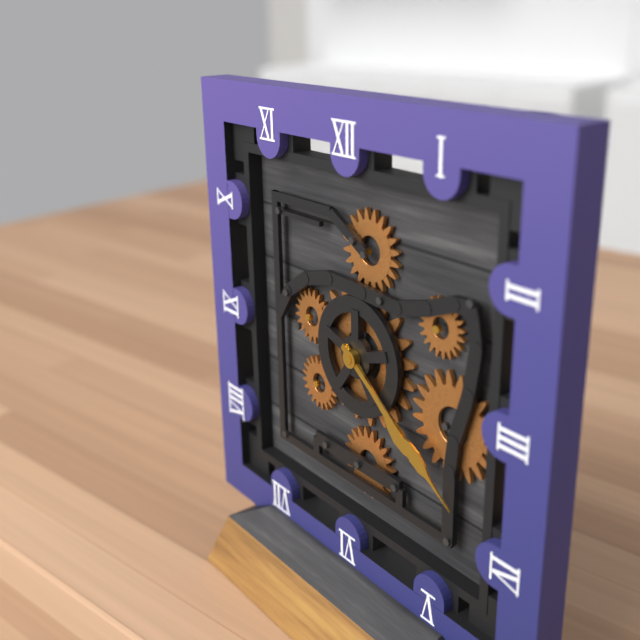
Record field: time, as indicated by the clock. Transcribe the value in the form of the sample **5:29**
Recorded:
**4:21**
